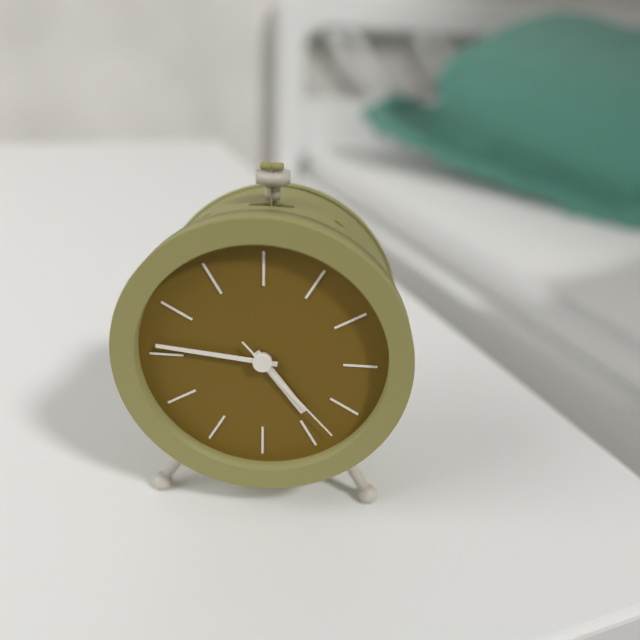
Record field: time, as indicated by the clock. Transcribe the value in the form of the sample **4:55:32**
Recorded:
**4:46:23**
